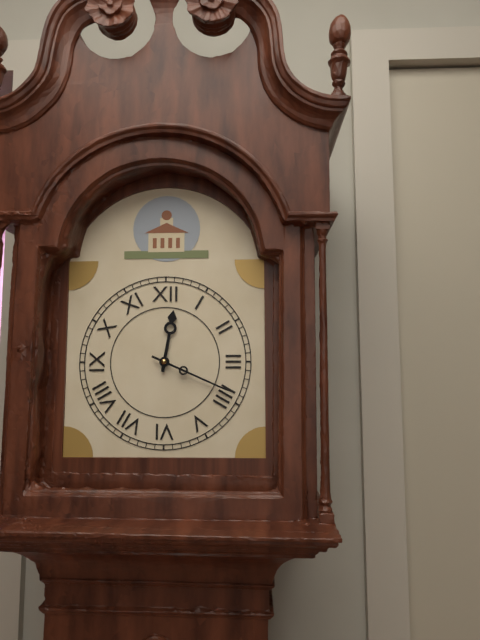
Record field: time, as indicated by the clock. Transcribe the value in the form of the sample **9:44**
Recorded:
**12:19**
